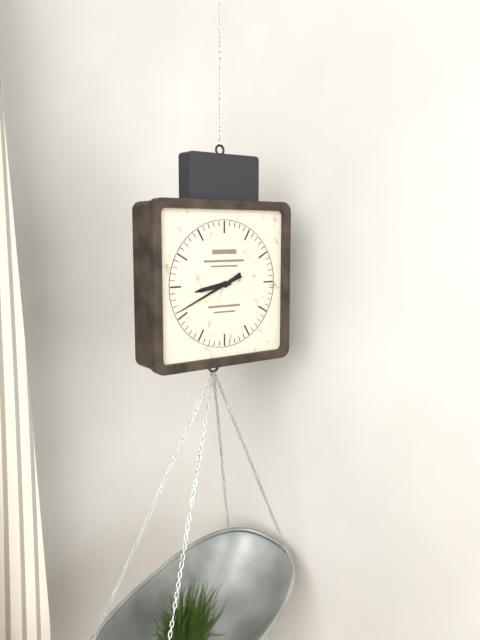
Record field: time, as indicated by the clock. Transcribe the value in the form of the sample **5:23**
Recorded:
**8:41**
